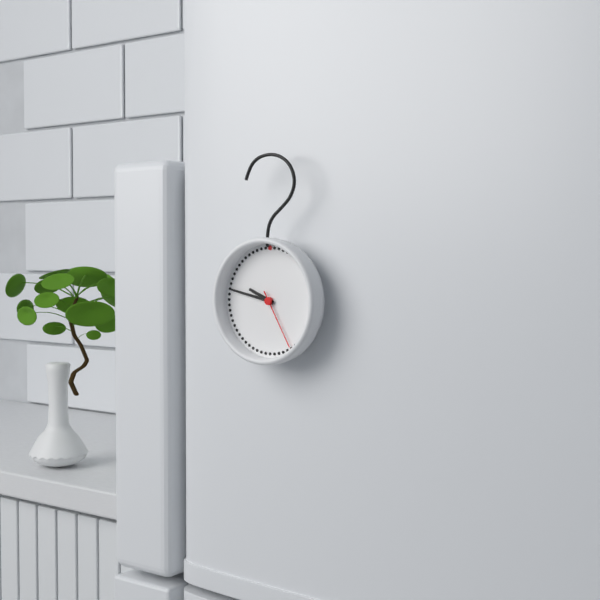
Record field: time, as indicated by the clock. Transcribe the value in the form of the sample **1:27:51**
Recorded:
**9:47:25**
